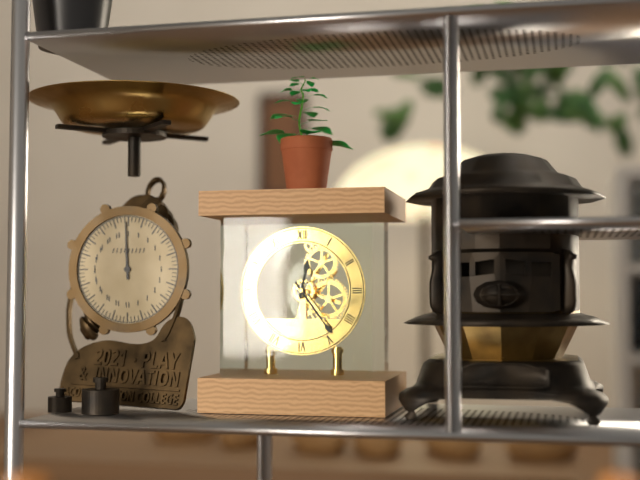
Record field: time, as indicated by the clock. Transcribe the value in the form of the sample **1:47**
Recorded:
**12:24**
